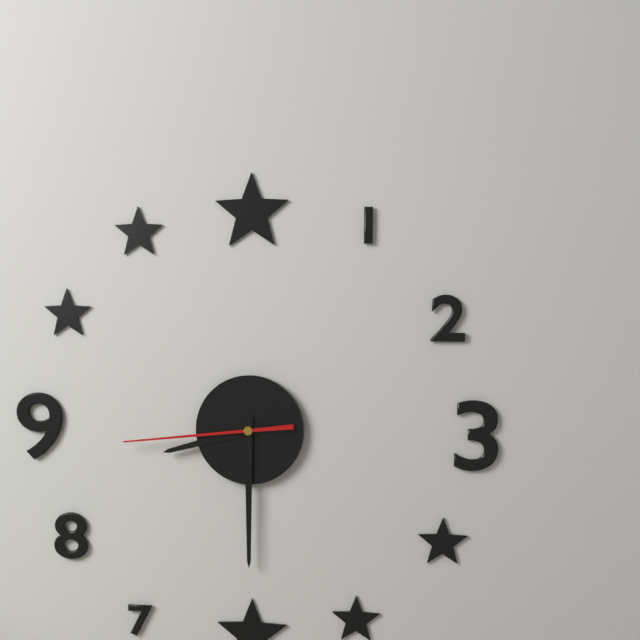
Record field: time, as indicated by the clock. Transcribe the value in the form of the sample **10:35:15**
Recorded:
**8:30:44**
